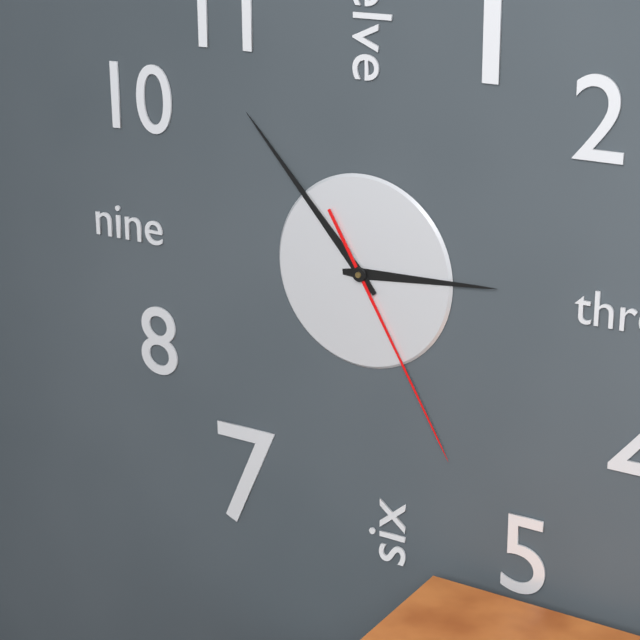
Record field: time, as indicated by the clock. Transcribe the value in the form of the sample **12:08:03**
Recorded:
**2:53:25**
